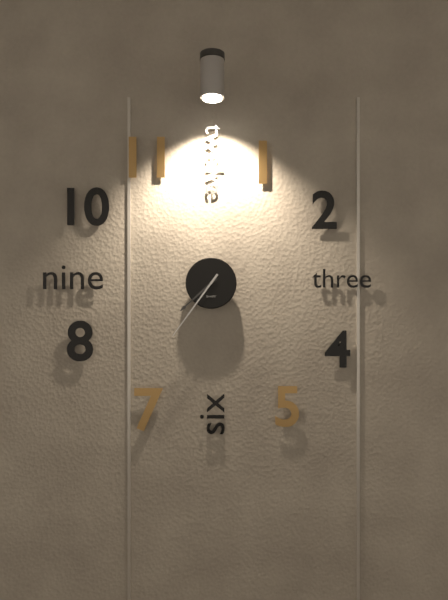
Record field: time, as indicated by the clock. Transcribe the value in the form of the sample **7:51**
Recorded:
**7:36**
